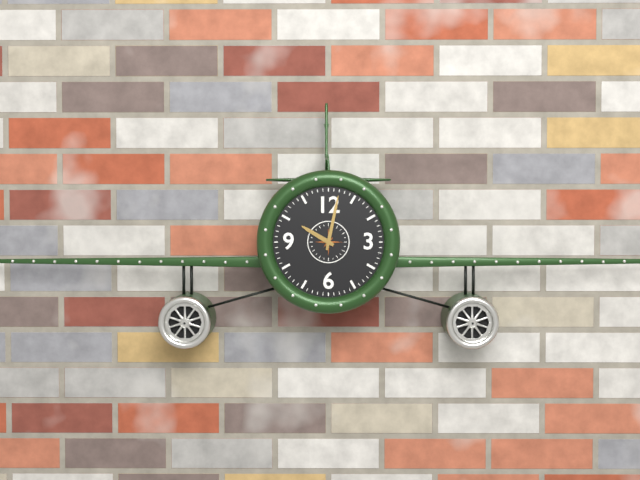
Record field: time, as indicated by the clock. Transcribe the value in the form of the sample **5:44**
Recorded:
**10:02**
